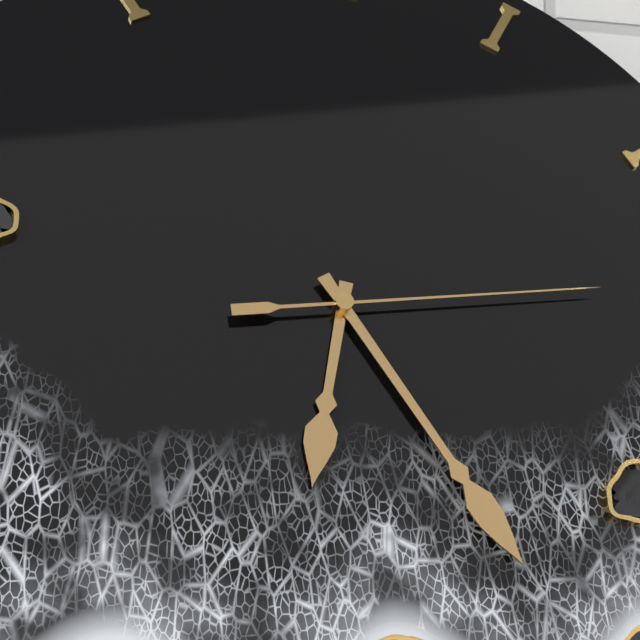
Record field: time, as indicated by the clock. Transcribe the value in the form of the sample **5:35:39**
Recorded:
**6:25:14**
